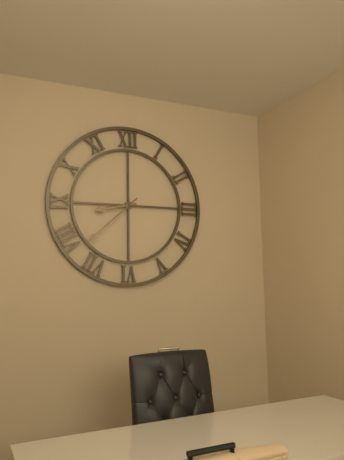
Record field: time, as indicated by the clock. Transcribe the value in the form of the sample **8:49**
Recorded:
**8:38**
